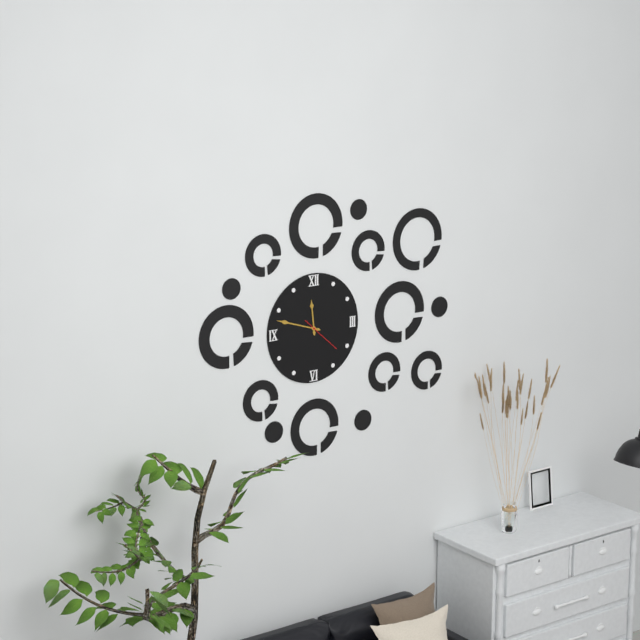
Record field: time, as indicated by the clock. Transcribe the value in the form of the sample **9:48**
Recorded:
**11:48**
